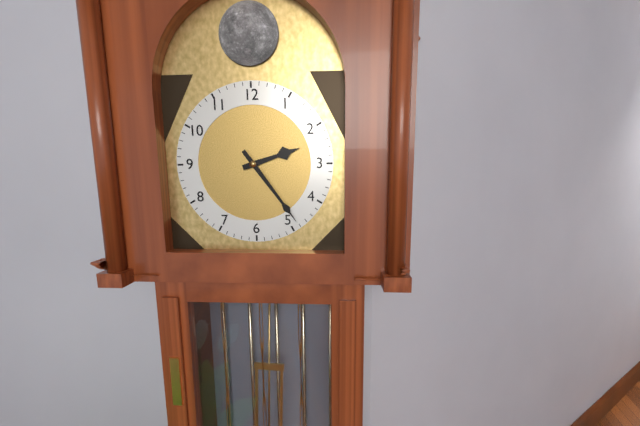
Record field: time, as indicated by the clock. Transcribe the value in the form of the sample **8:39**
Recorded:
**2:24**
